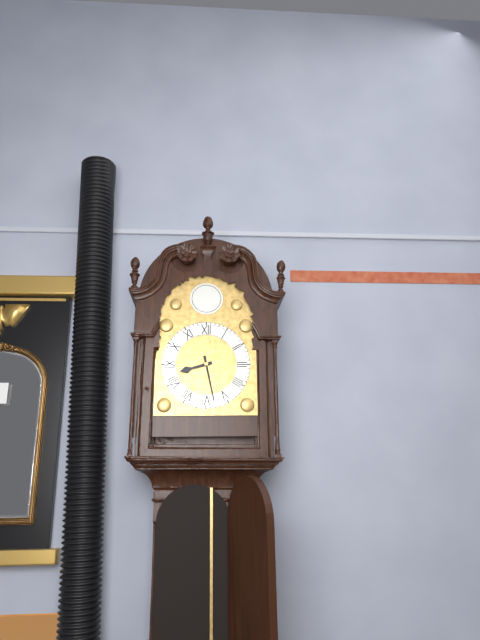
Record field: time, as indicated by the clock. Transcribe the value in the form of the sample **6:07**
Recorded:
**8:28**
